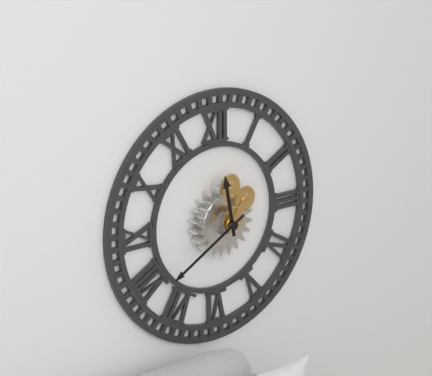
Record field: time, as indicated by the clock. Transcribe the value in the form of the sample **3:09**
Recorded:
**11:40**
